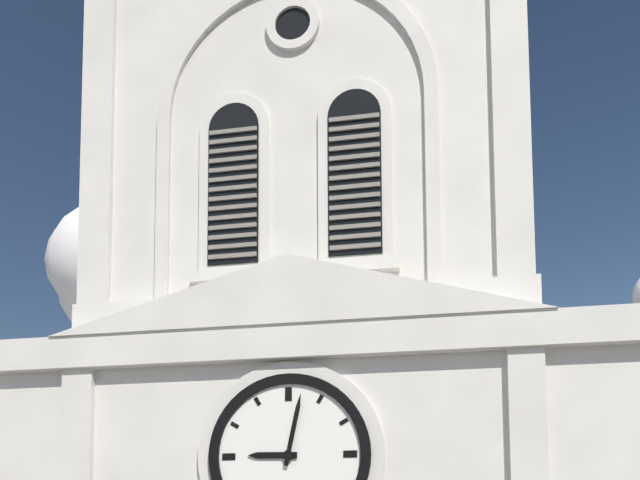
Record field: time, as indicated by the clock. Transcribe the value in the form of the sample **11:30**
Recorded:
**9:02**
